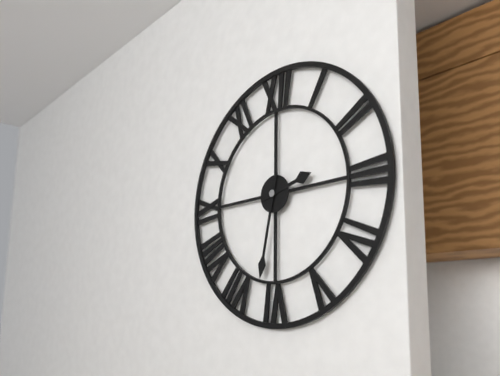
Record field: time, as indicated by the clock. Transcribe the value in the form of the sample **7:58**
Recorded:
**2:32**
